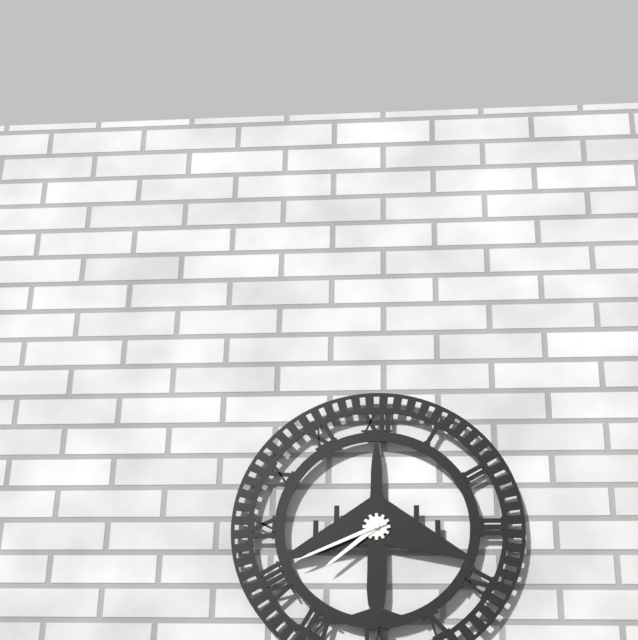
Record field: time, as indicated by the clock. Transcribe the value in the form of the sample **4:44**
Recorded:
**7:41**
